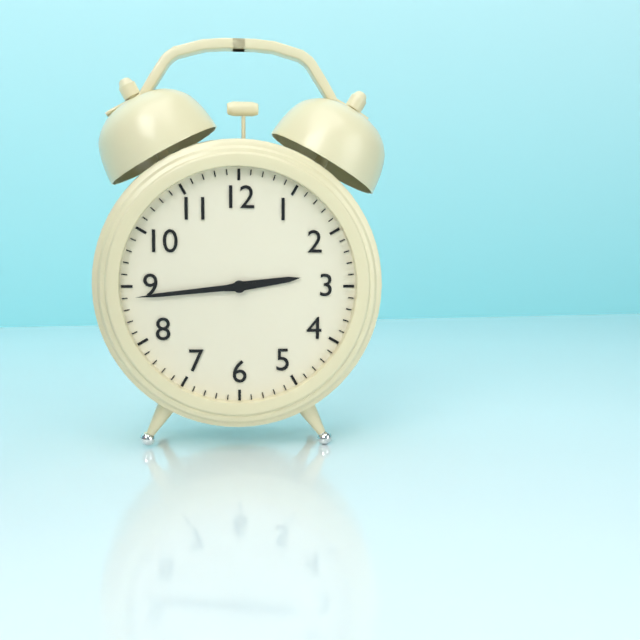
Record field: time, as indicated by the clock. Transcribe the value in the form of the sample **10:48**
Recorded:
**2:44**
